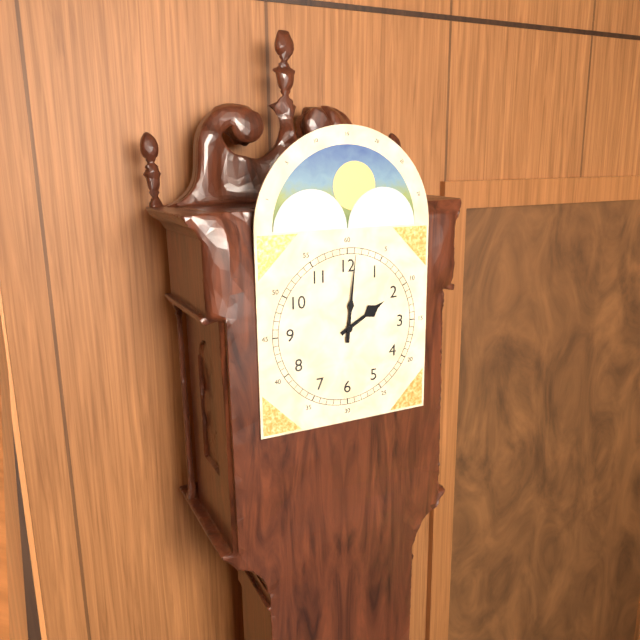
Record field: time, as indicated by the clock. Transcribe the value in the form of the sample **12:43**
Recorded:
**2:01**
